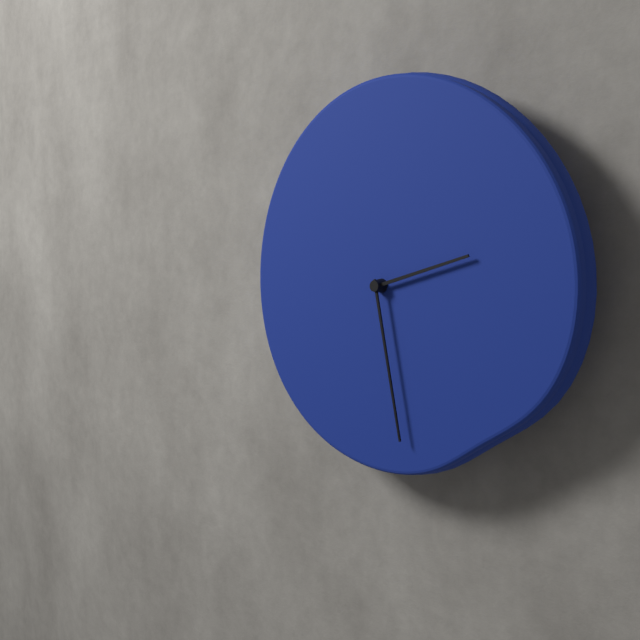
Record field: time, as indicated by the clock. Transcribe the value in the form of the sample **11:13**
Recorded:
**2:28**
